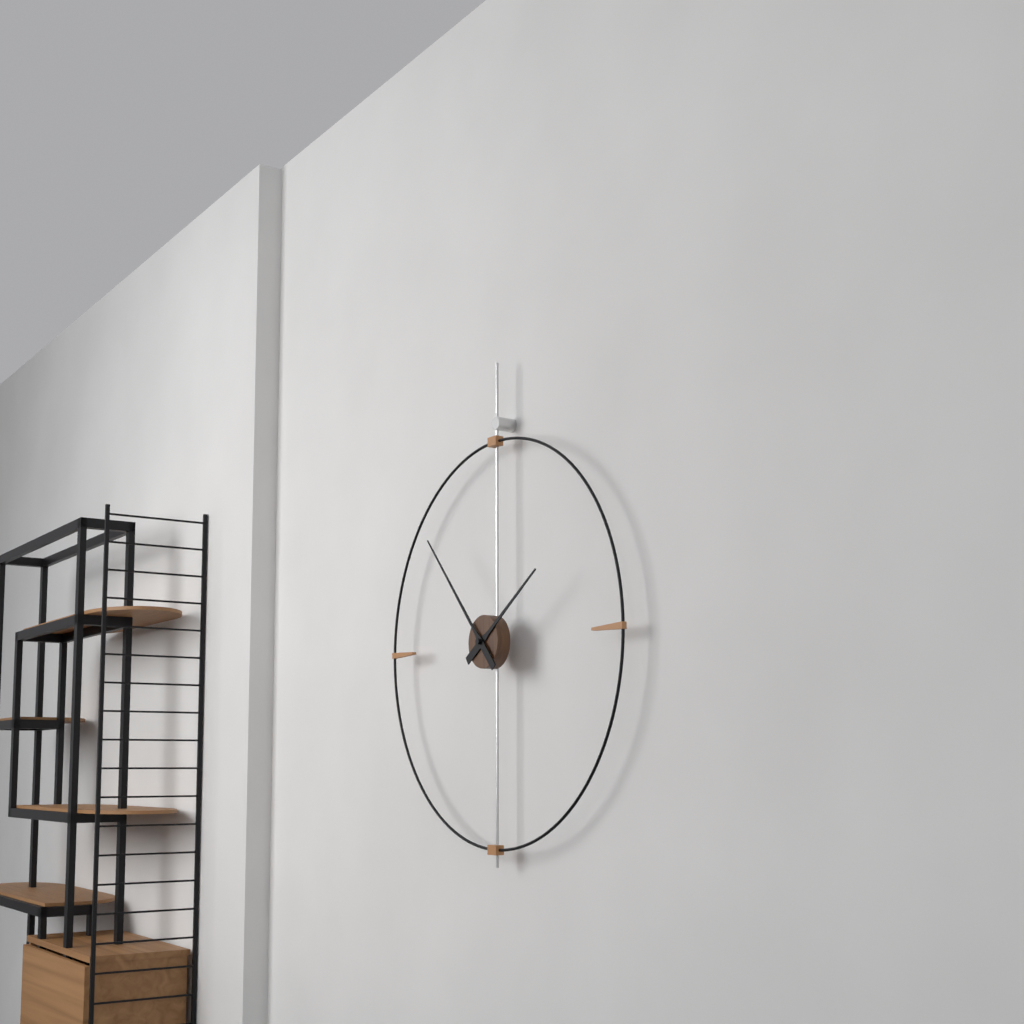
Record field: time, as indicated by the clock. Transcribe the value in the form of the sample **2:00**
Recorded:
**1:53**
